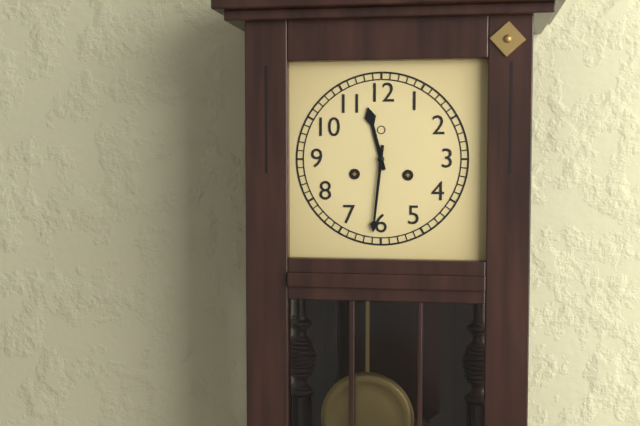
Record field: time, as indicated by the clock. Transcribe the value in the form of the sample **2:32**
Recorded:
**11:31**
